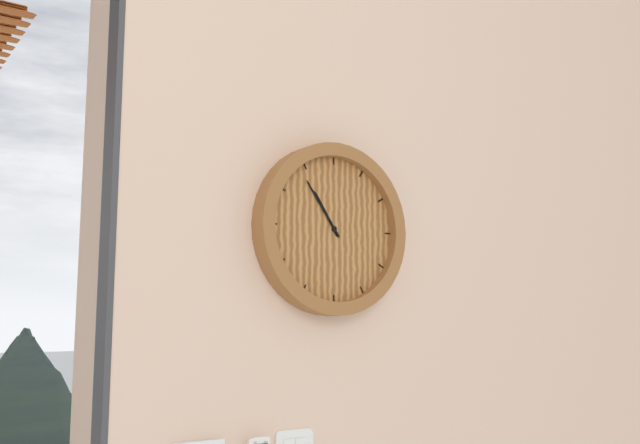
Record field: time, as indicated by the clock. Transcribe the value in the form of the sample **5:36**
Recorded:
**10:54**
